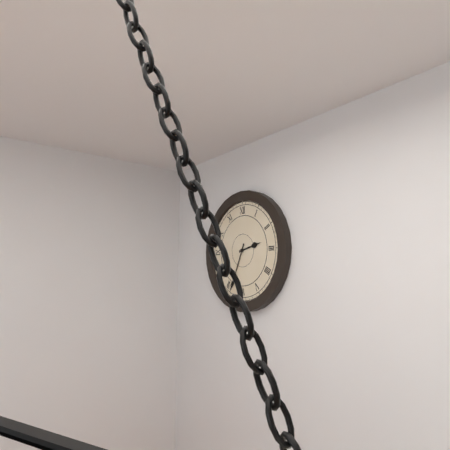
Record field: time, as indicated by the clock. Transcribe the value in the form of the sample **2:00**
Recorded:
**2:34**
